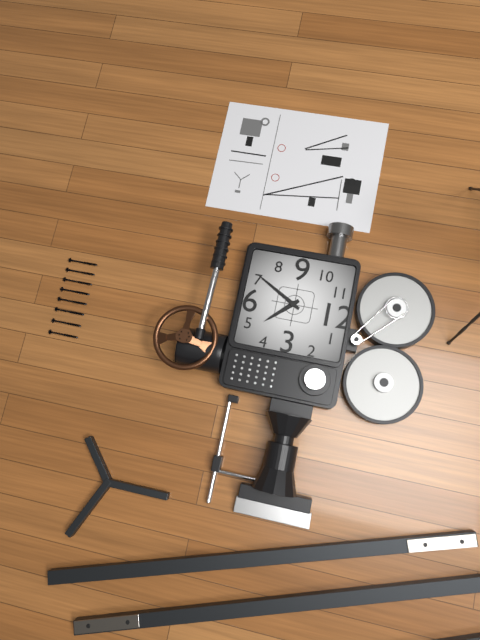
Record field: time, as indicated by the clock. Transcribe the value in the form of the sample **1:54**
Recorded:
**4:35**
